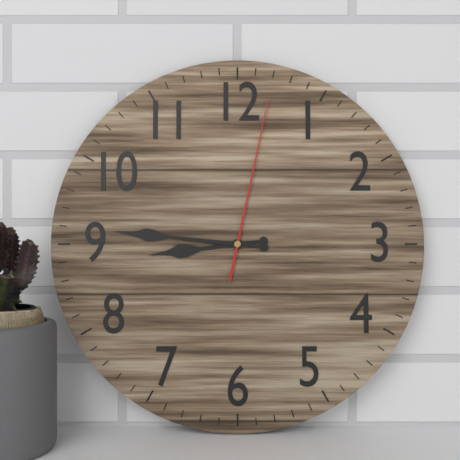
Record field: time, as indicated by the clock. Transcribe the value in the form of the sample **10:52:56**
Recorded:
**8:46:02**
